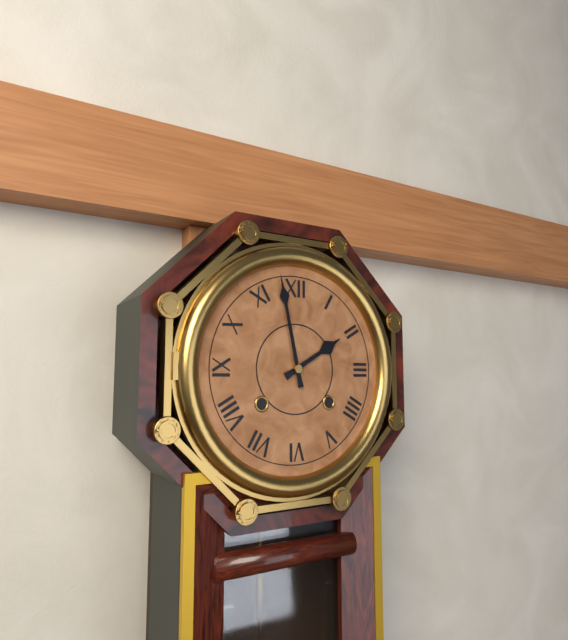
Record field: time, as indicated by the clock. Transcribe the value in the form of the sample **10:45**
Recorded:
**1:58**
